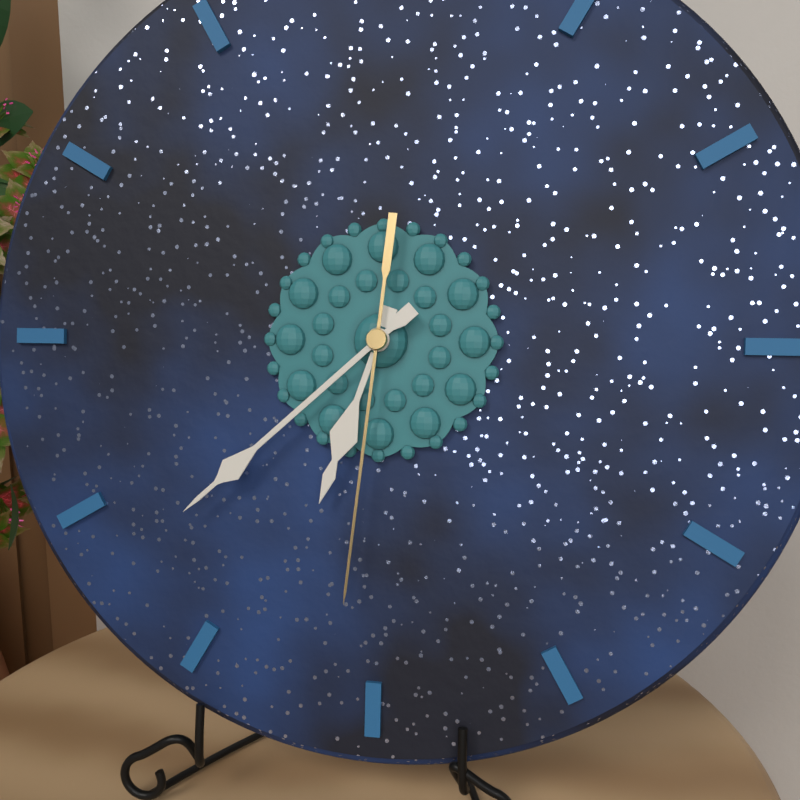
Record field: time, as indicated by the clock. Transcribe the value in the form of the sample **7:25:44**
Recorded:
**6:38:31**
